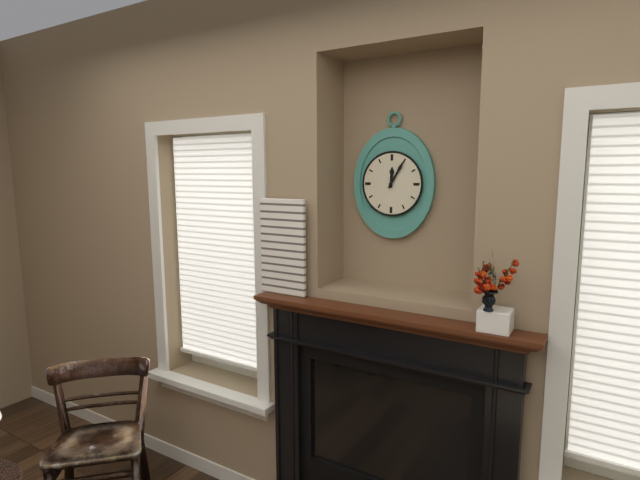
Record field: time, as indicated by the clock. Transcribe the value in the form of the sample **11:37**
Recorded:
**12:05**
